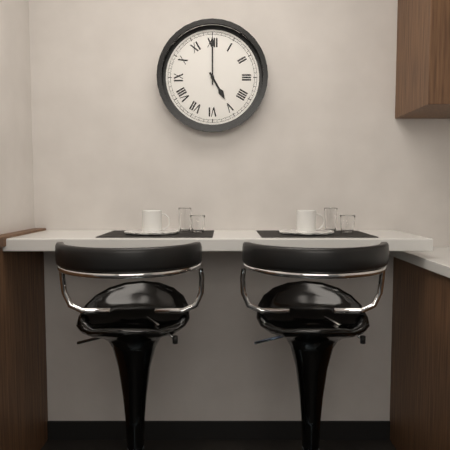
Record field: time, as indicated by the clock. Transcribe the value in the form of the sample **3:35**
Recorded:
**5:00**
